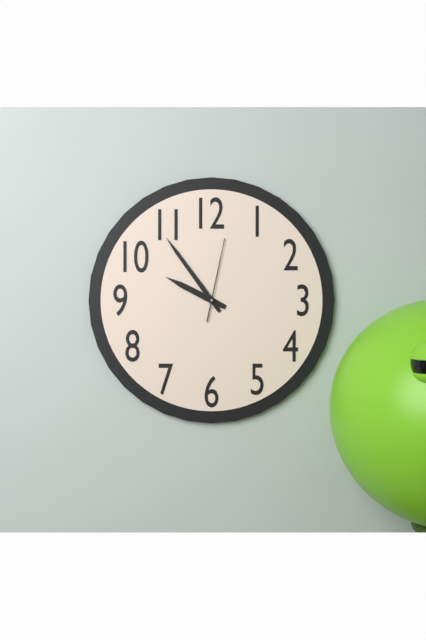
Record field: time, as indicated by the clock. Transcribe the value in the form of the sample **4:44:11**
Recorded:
**9:54:02**
